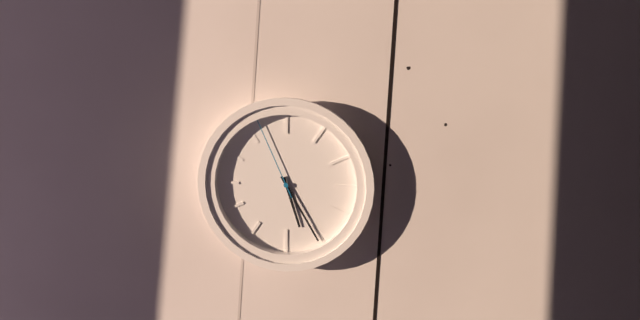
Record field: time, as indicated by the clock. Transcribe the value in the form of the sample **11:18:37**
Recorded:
**5:25:56**
